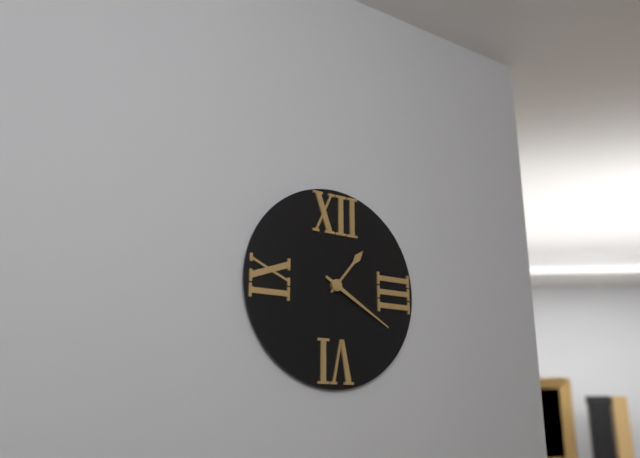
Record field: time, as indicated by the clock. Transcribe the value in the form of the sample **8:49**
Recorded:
**1:20**
